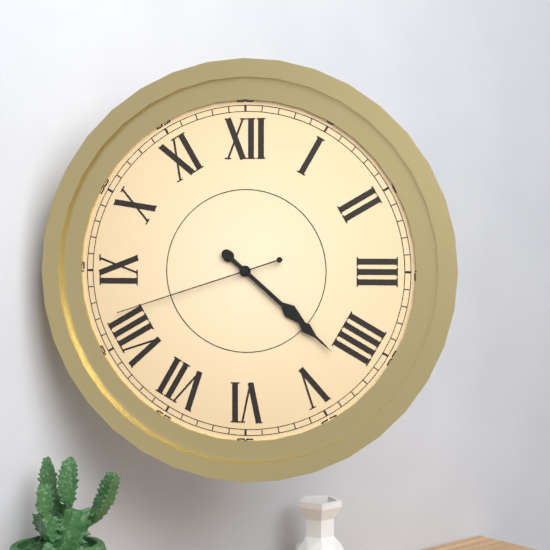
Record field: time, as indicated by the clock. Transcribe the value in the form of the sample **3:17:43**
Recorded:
**4:22:42**
